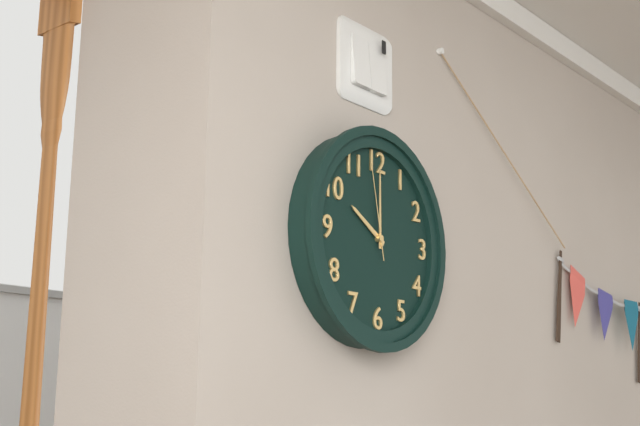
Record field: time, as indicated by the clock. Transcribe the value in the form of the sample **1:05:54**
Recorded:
**10:00:58**
